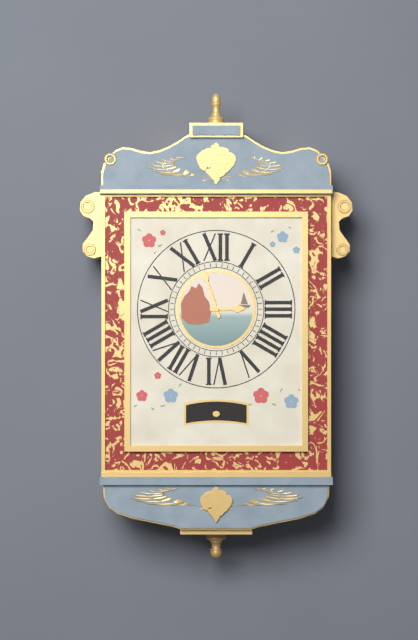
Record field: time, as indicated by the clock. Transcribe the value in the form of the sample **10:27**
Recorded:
**2:57**
